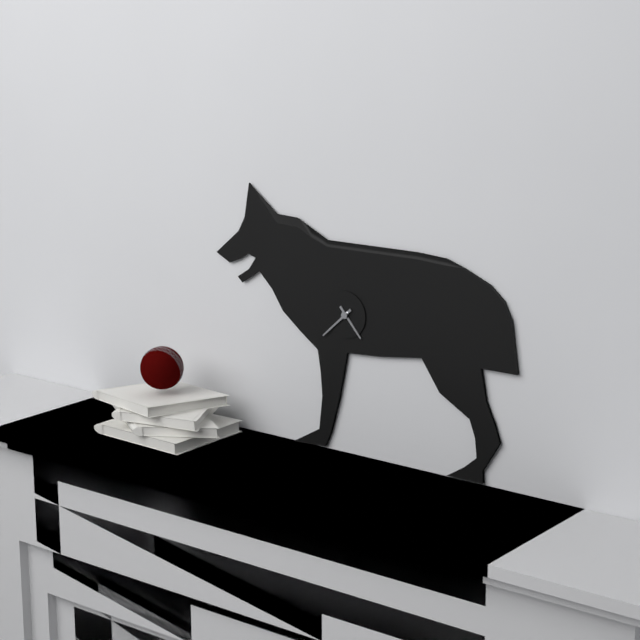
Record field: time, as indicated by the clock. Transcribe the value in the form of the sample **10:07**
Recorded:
**4:38**
